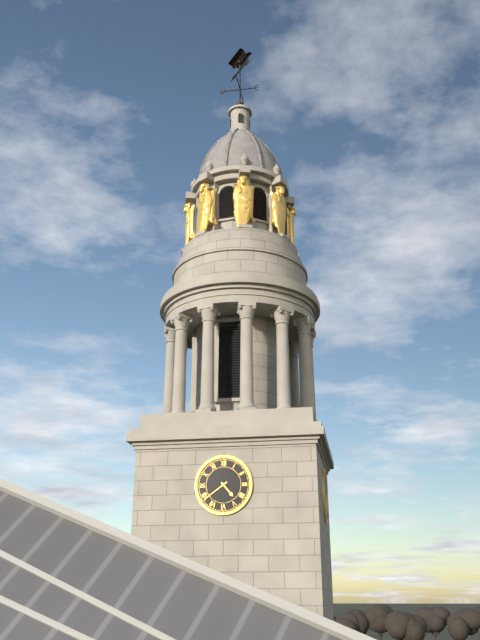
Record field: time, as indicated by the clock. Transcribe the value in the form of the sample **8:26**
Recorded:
**4:39**
